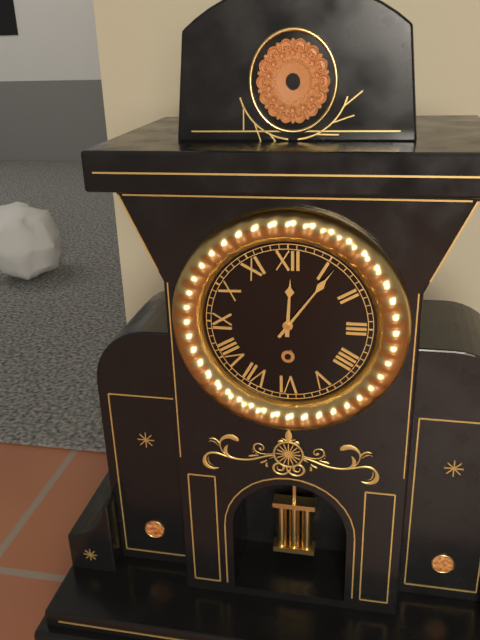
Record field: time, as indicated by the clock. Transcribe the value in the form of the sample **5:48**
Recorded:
**12:06**
